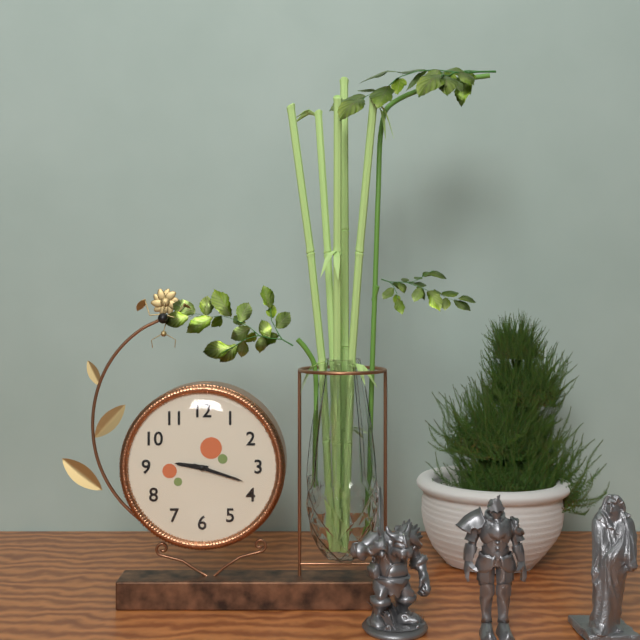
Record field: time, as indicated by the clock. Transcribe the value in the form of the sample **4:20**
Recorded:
**9:18**
